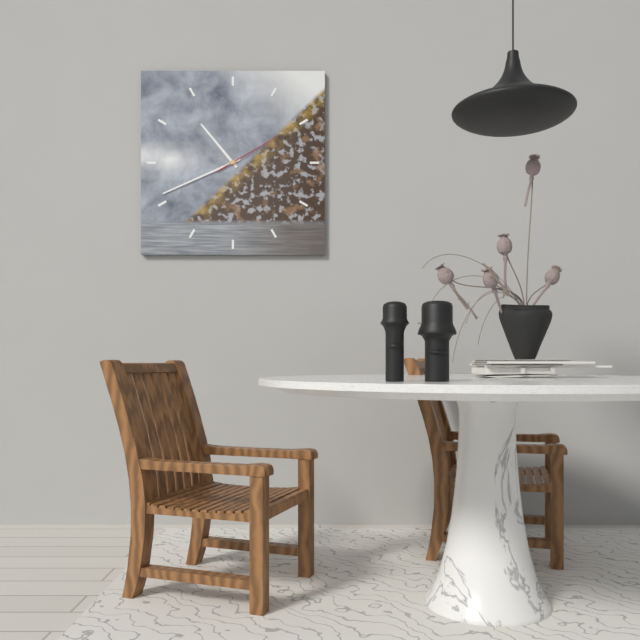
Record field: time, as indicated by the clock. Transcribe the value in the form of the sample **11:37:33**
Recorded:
**10:41:10**
